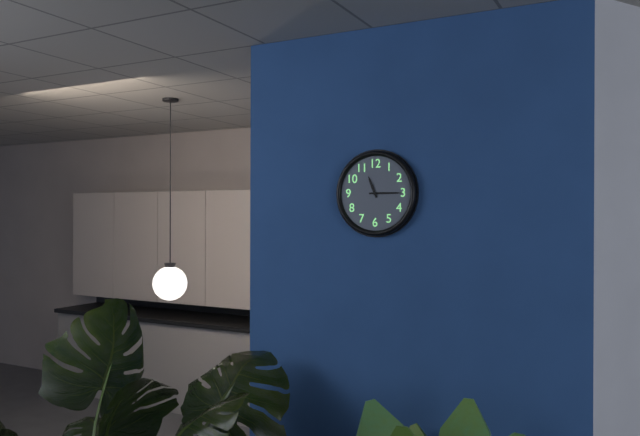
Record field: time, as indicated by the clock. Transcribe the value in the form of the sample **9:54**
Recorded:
**11:15**
